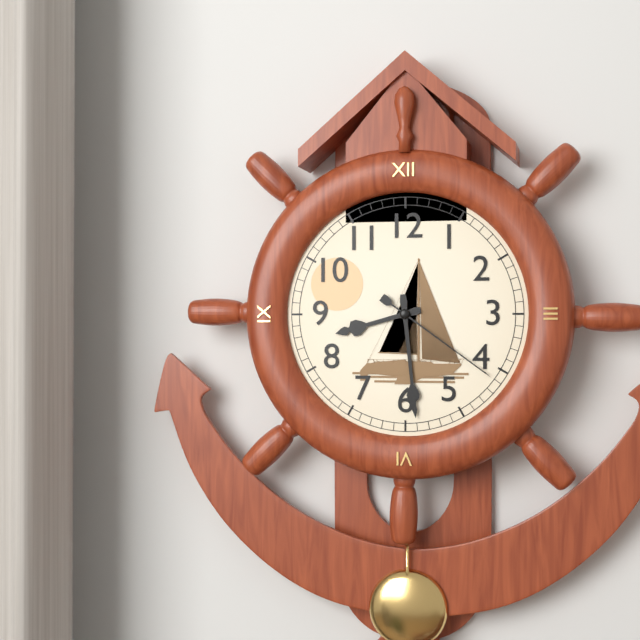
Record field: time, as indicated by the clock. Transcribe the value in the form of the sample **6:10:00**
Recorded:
**8:29:21**
